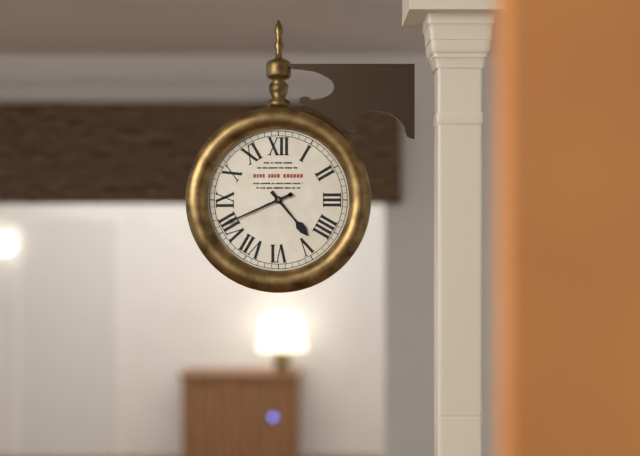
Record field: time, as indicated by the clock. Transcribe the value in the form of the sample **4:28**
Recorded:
**4:41**
